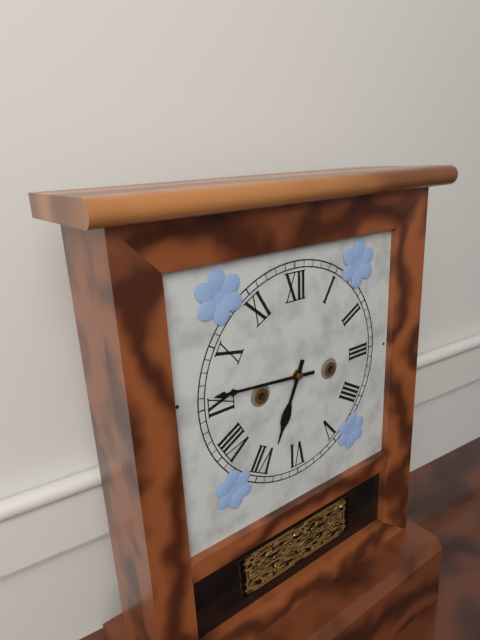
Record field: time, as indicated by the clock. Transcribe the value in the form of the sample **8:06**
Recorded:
**6:46**
